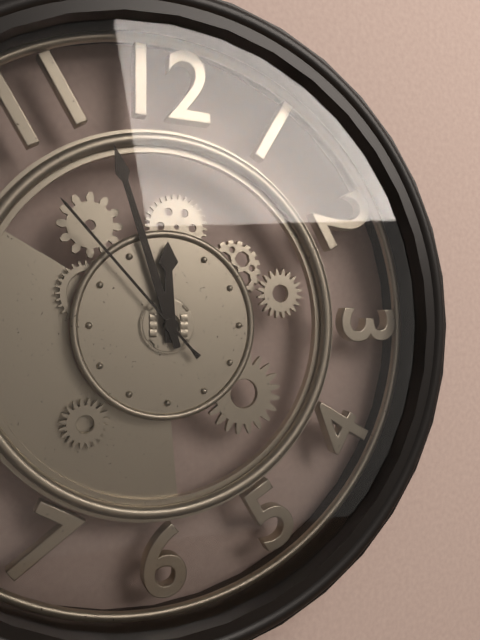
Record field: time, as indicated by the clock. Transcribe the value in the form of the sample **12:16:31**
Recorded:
**11:57:53**
